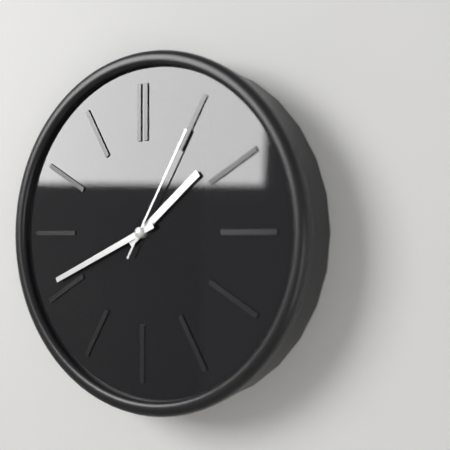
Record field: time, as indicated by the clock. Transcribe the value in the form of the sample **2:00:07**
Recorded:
**1:41:05**
